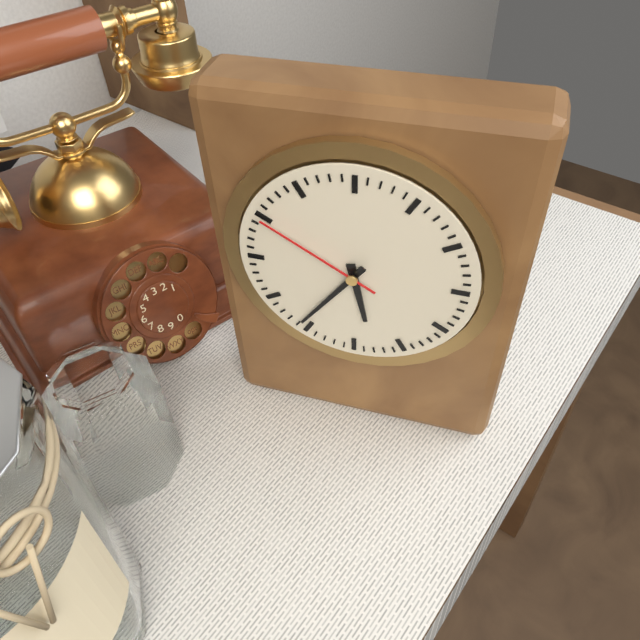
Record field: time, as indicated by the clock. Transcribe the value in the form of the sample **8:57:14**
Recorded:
**5:36:50**
